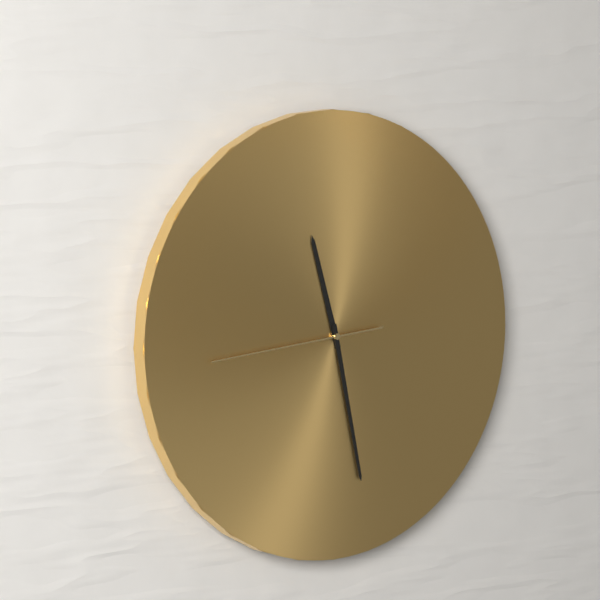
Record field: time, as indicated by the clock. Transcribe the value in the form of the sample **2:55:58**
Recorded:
**11:28:44**
